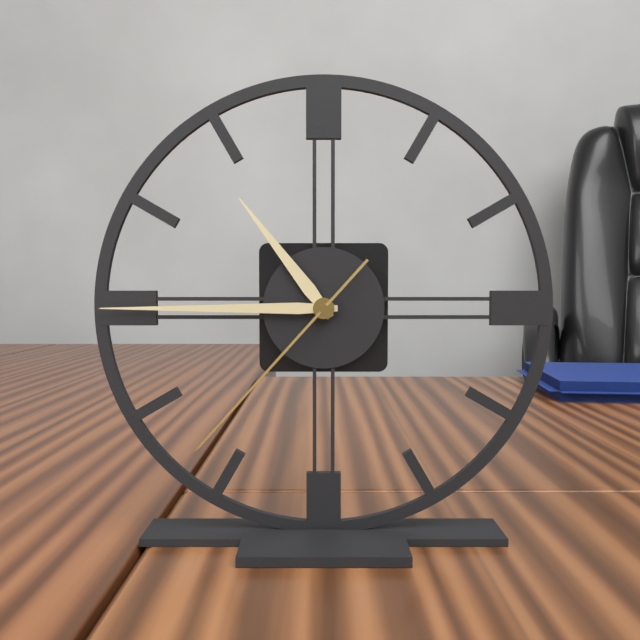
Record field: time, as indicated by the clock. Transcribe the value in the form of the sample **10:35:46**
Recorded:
**10:45:37**
